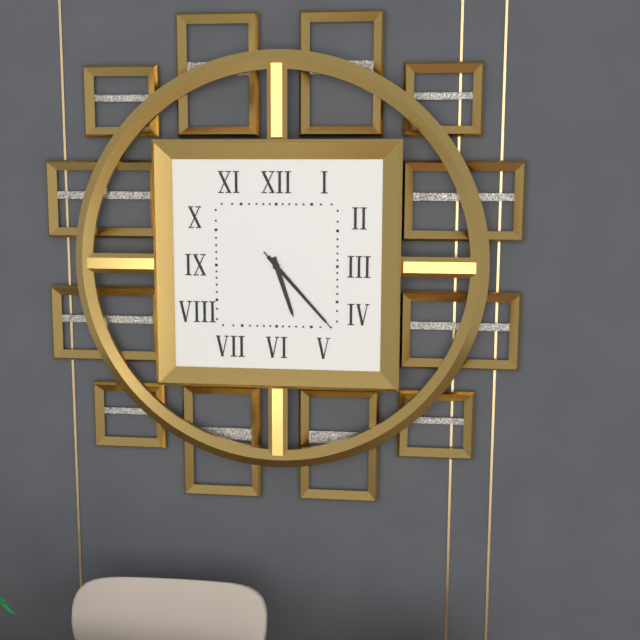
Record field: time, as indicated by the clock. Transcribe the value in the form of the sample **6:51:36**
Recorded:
**5:23:23**
